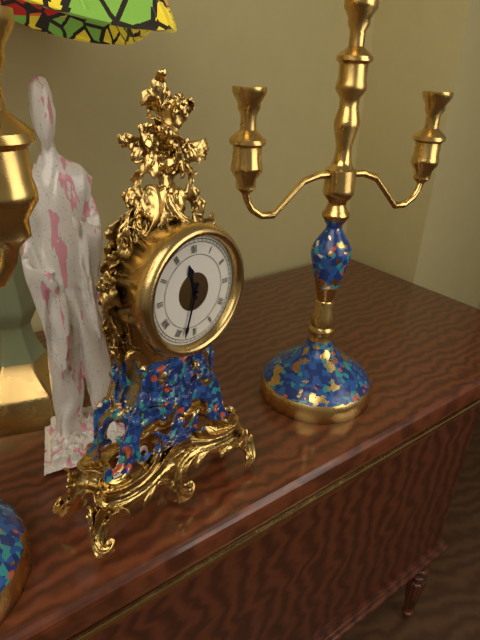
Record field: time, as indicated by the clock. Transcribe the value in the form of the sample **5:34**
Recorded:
**11:33**
